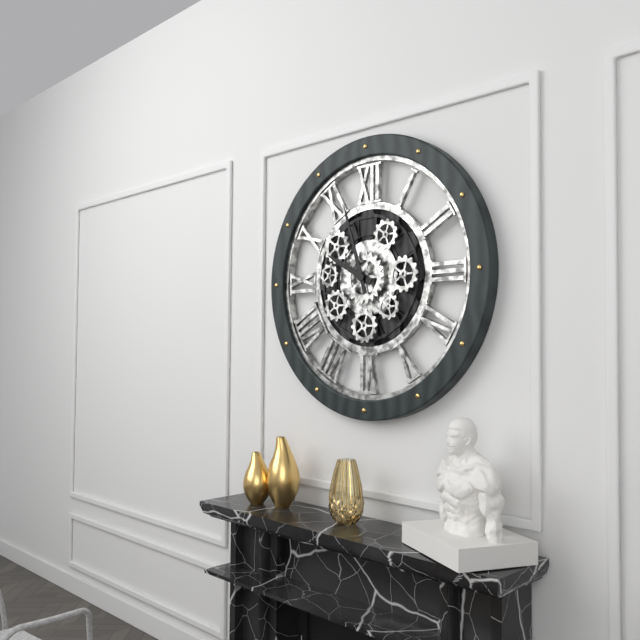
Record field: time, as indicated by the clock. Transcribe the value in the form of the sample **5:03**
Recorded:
**9:57**
